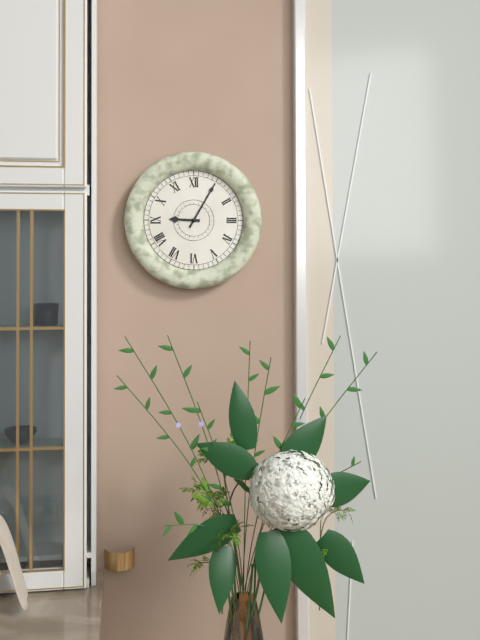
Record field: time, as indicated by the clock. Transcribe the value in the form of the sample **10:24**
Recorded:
**9:05**
